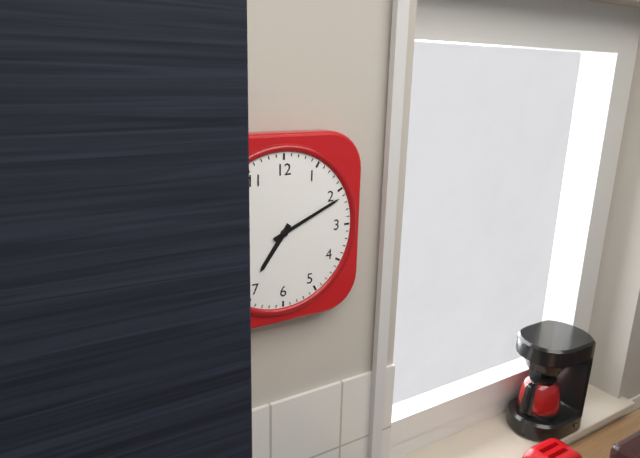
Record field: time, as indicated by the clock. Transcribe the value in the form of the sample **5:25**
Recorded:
**7:11**
